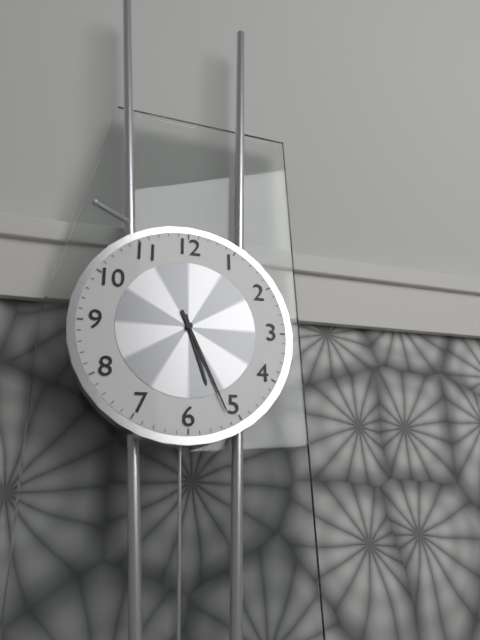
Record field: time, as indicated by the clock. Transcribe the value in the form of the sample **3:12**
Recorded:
**5:26**
